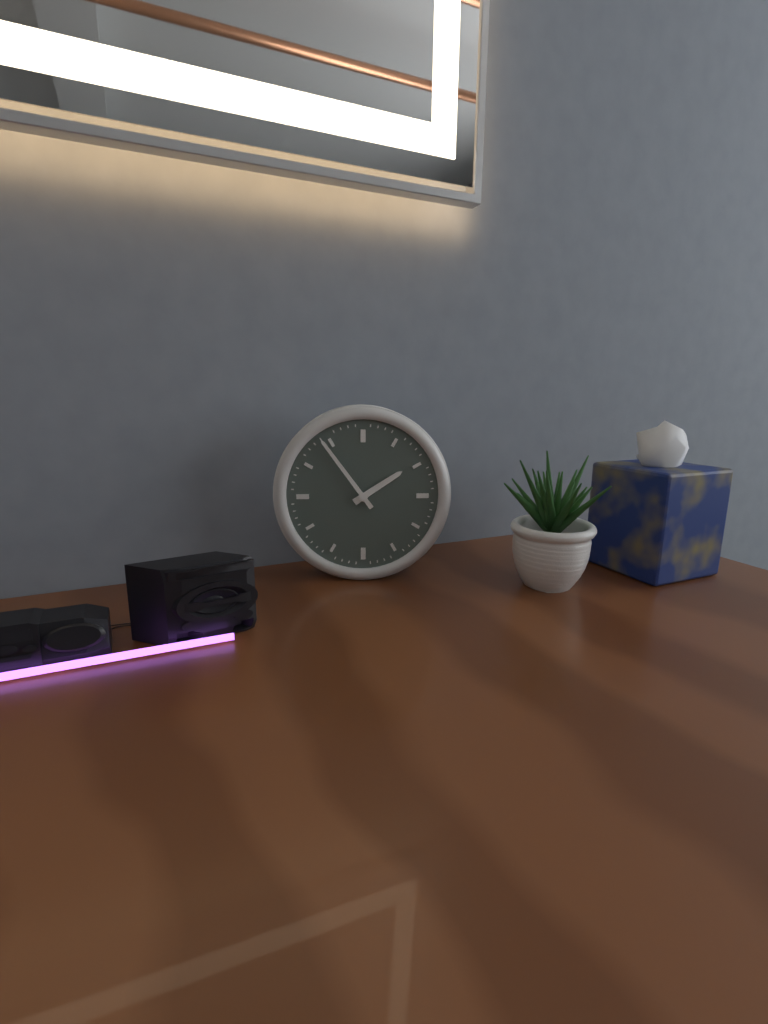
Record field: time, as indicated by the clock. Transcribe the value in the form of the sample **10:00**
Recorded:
**1:54**
